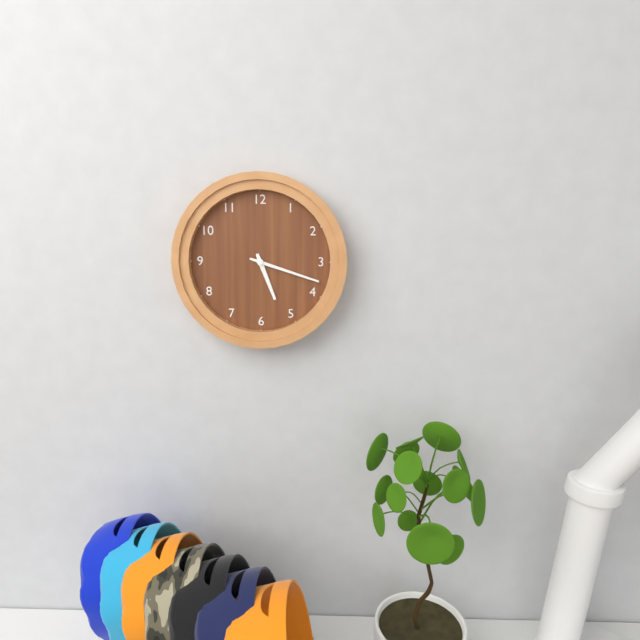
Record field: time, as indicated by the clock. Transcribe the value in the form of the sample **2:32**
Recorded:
**5:18**
